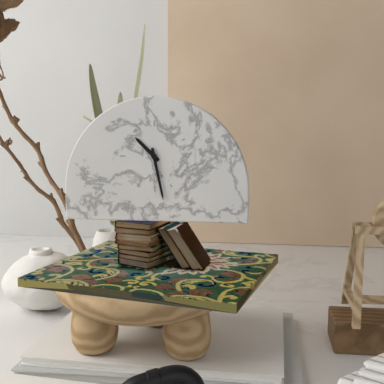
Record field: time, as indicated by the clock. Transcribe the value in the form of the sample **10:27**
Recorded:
**10:28**
